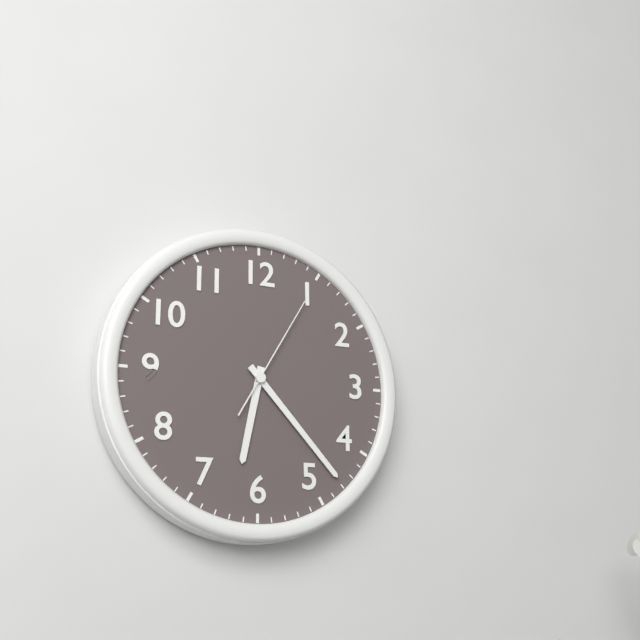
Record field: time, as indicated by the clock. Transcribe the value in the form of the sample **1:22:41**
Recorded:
**6:23:05**
